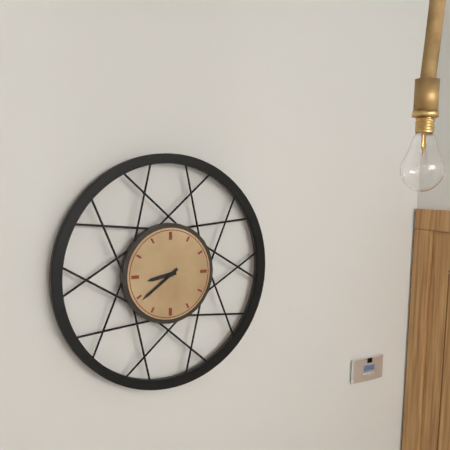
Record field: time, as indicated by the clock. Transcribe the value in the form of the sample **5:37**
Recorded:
**8:39**
